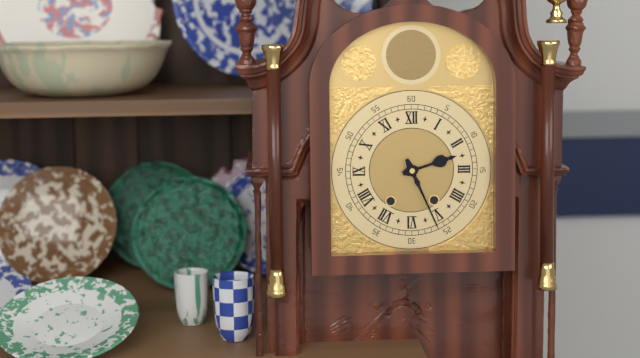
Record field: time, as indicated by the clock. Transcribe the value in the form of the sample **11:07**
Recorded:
**2:26**
